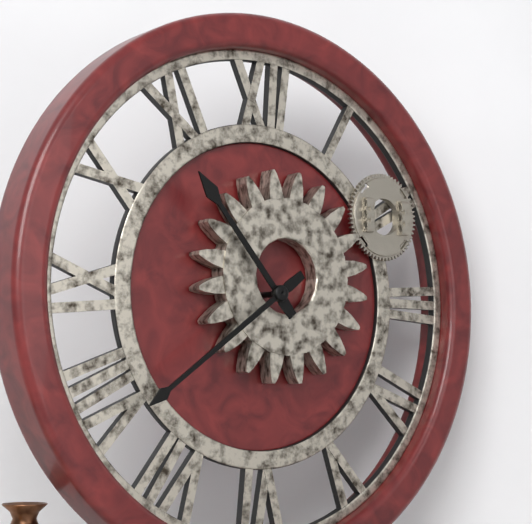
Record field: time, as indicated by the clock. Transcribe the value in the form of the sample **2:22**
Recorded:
**10:39**
